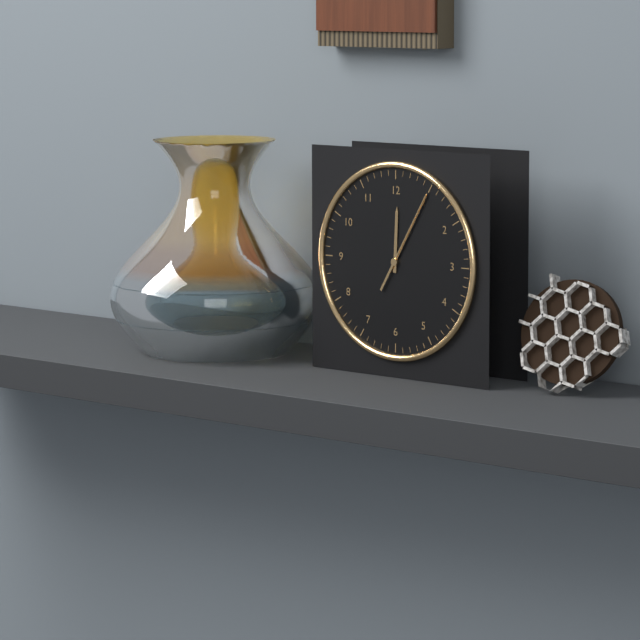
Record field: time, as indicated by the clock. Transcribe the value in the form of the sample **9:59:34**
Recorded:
**12:05:05**
